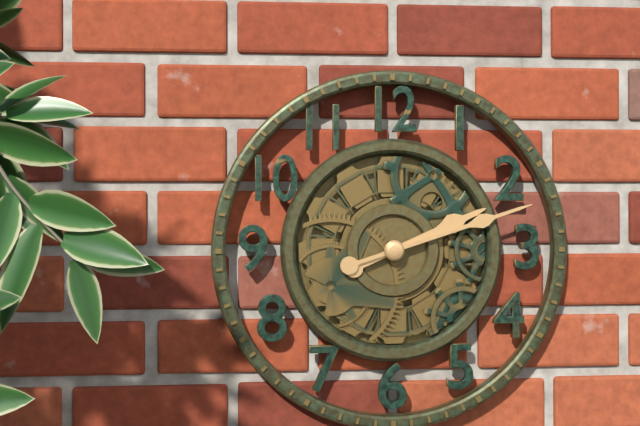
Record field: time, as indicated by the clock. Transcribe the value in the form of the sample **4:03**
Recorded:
**2:12**
